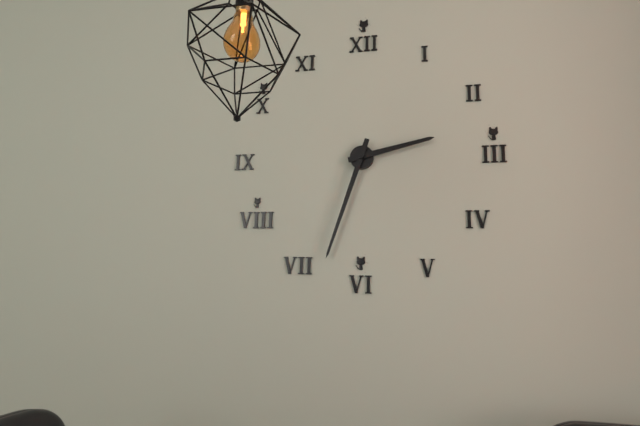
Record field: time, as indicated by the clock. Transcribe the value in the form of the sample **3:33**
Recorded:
**2:33**
